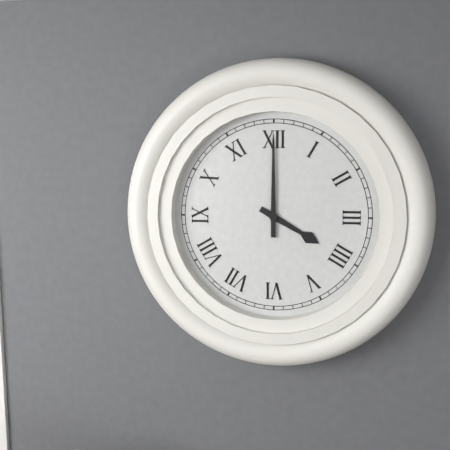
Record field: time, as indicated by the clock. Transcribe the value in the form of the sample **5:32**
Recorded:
**4:00**
